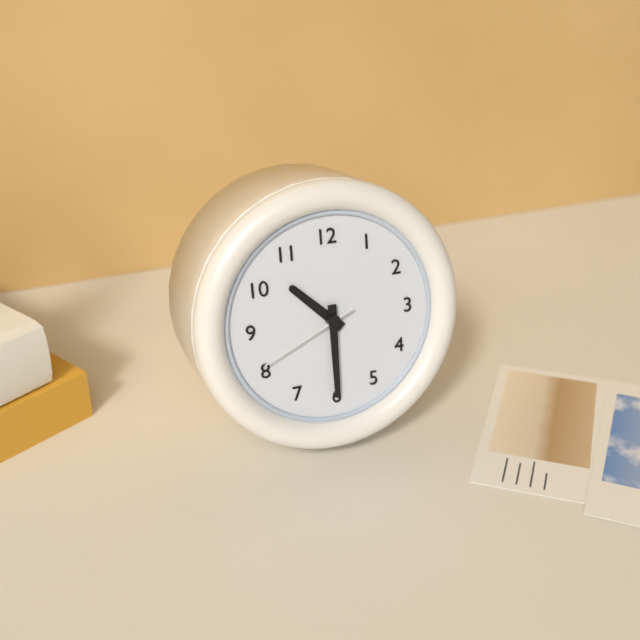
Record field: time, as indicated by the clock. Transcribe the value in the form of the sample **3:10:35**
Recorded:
**10:30:41**
